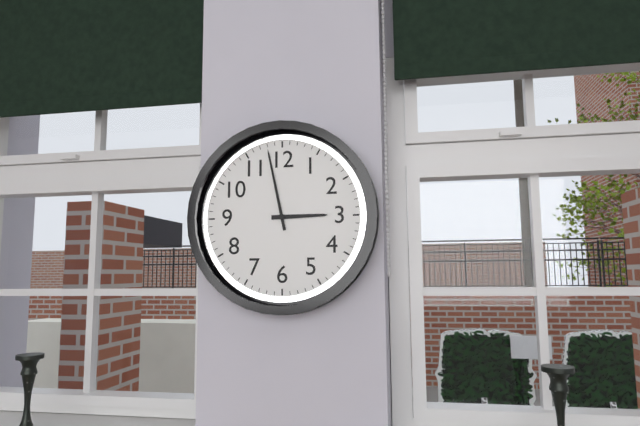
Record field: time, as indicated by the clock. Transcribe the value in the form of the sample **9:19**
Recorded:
**2:58**
